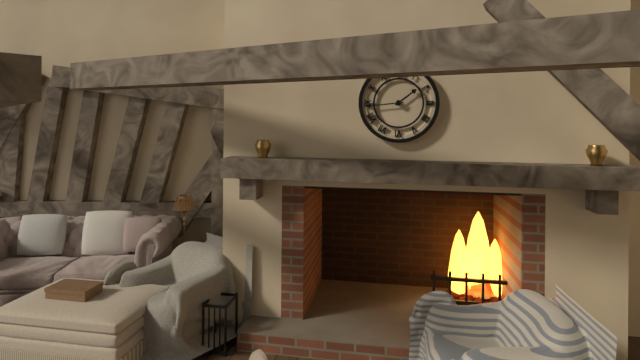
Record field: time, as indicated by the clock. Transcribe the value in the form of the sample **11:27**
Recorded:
**1:44**
